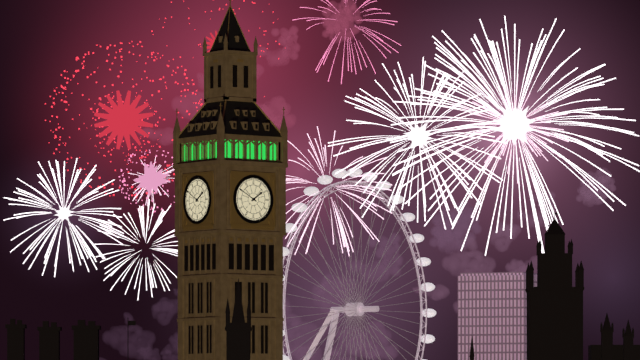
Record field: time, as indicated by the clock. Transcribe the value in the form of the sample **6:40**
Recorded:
**1:50**
